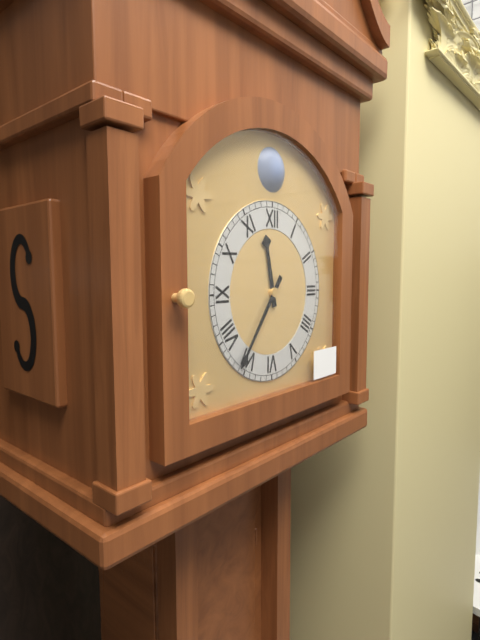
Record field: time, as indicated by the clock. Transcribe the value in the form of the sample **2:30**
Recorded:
**11:36**
